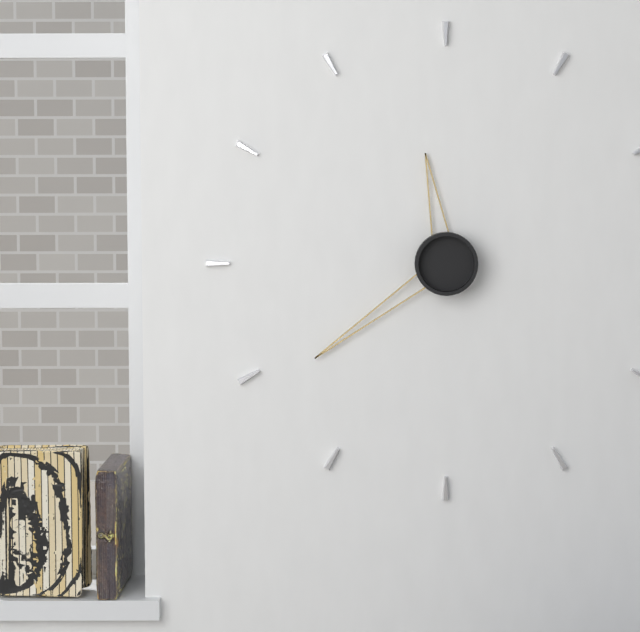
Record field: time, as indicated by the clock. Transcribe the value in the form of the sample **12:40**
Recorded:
**11:39**
